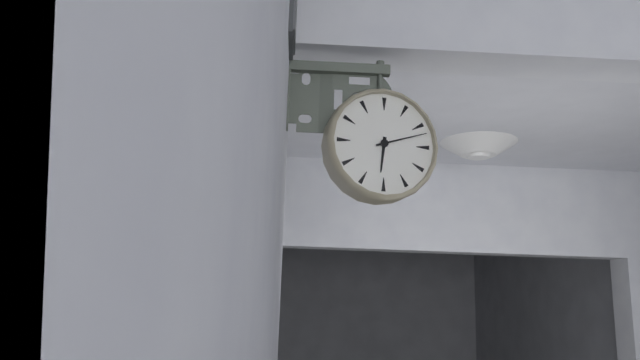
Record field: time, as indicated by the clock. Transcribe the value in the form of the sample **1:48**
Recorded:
**6:12**
